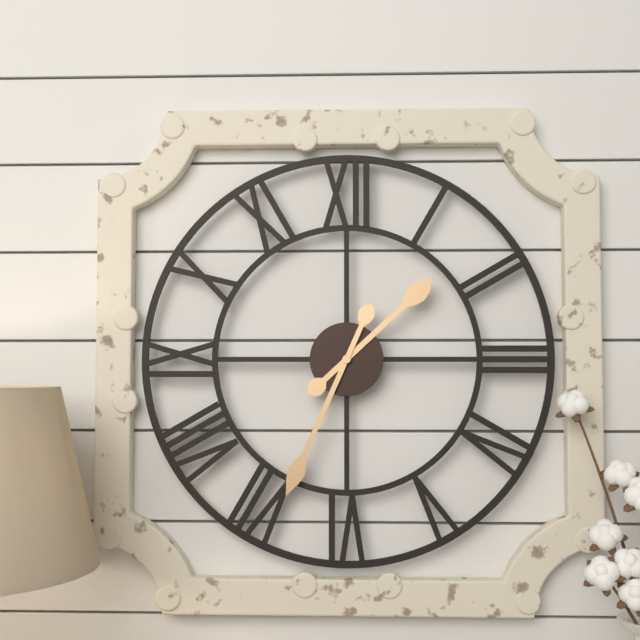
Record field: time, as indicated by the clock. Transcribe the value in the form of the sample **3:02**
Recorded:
**1:34**
